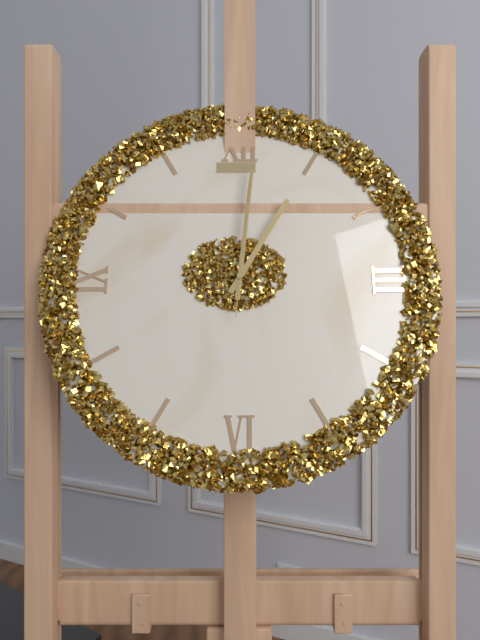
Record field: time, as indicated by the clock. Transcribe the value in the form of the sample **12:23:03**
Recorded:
**1:01:01**
